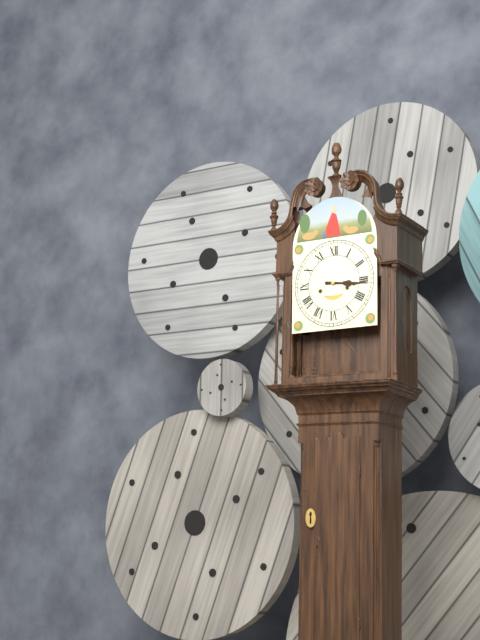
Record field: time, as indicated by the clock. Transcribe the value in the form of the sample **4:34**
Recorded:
**3:16**
